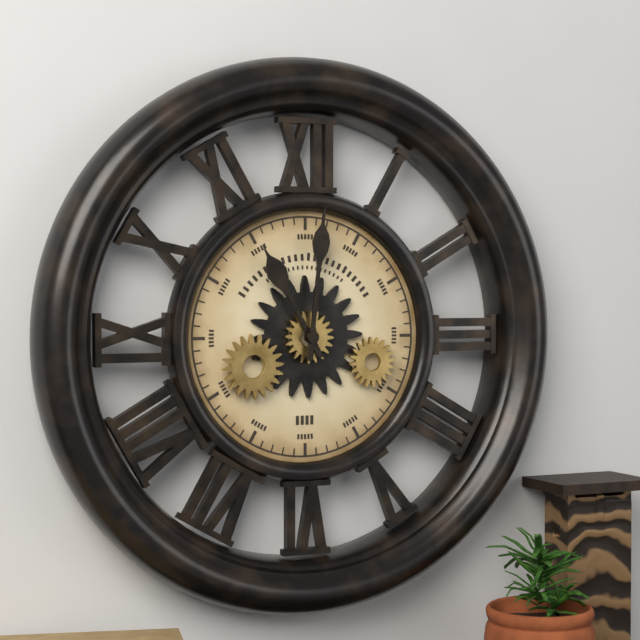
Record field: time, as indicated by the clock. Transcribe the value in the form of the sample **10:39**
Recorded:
**11:01**
